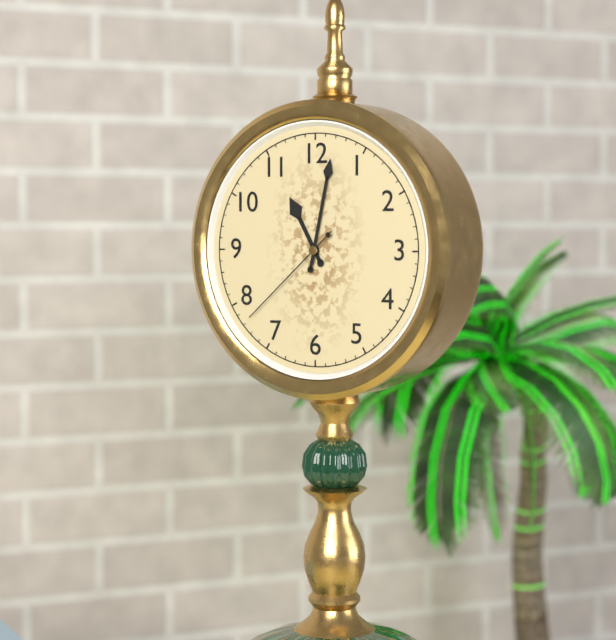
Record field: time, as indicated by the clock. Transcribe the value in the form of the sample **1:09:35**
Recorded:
**11:02:38**
